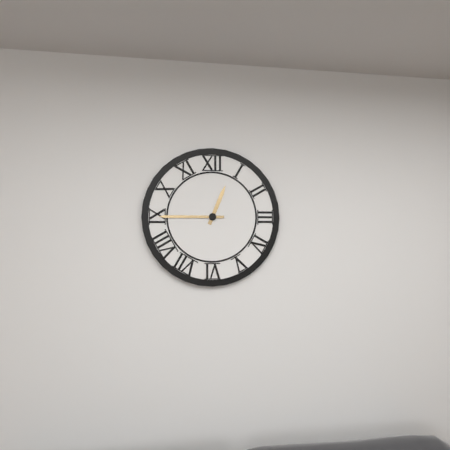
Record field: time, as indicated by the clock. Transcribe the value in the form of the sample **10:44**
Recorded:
**12:45**
